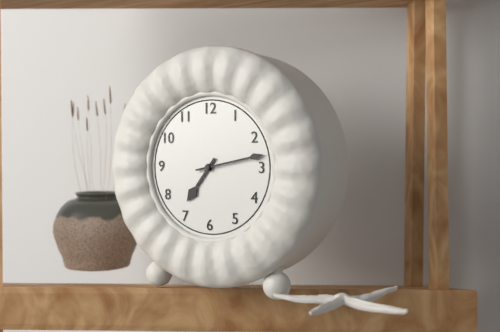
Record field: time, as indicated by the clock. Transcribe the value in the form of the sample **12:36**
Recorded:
**7:13**
